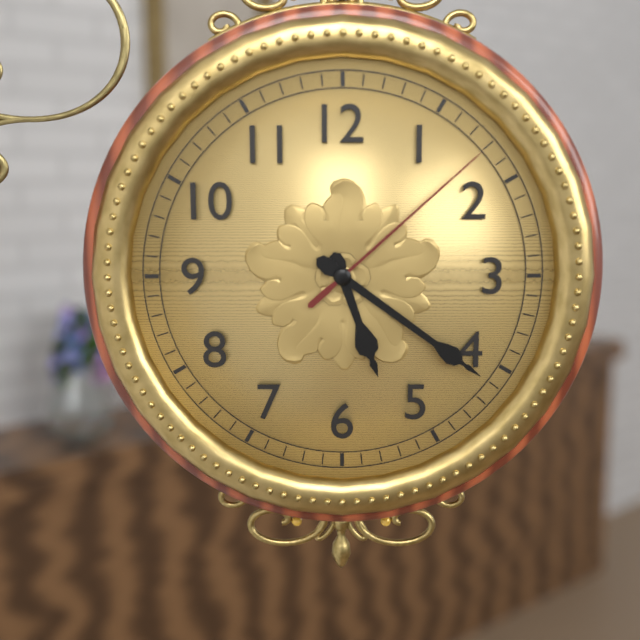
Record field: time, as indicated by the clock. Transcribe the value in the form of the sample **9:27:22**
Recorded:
**5:21:08**
